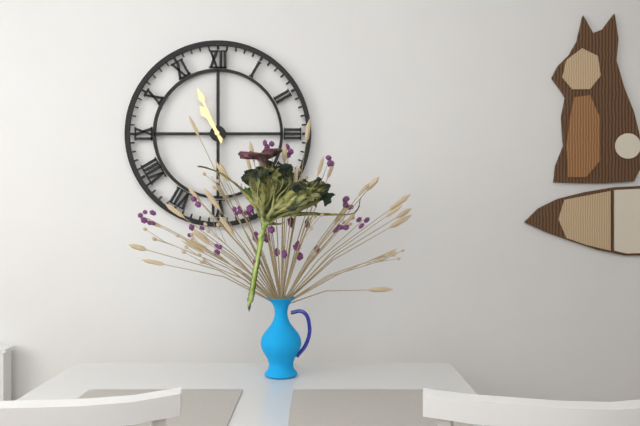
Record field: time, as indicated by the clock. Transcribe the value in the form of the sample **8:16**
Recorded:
**10:56**
